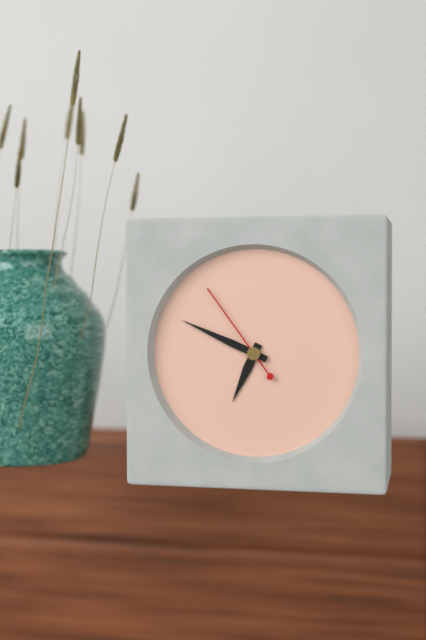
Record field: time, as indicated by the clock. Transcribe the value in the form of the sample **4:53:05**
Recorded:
**6:49:54**
